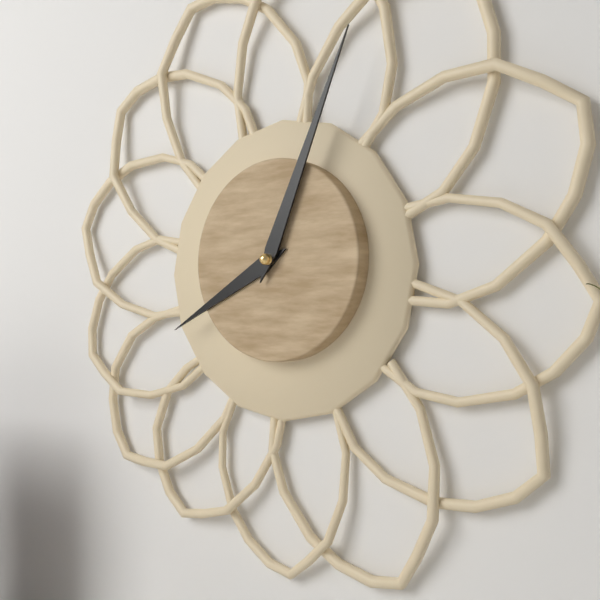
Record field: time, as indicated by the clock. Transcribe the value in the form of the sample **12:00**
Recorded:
**8:04**
